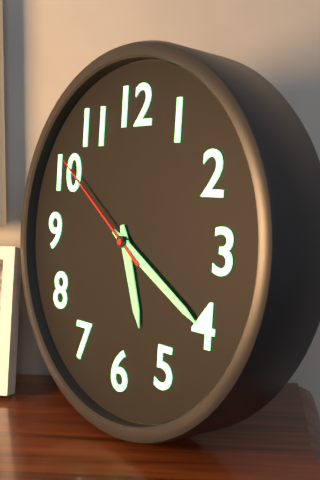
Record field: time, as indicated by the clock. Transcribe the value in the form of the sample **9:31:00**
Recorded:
**5:20:51**
